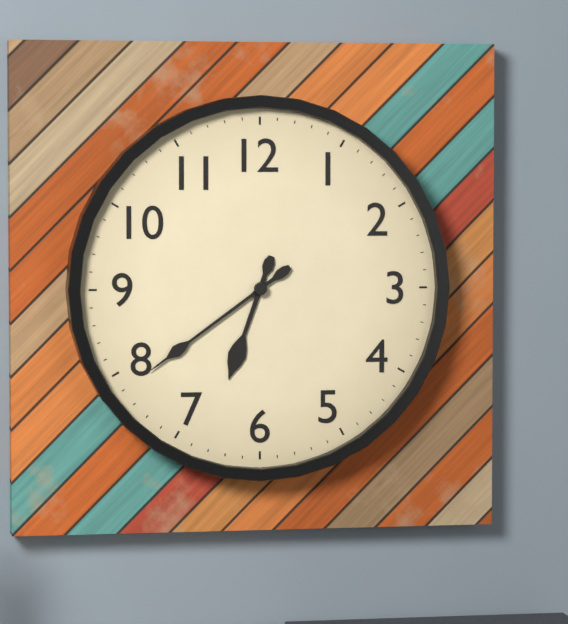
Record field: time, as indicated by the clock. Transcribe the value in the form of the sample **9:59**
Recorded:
**6:39**
